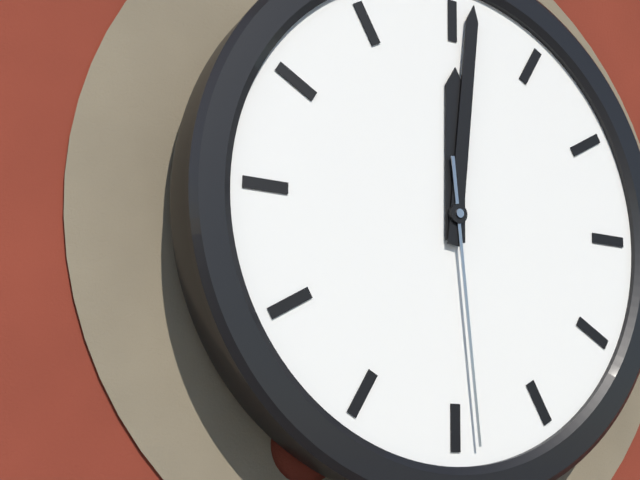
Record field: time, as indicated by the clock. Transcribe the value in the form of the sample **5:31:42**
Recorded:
**12:01:29**
